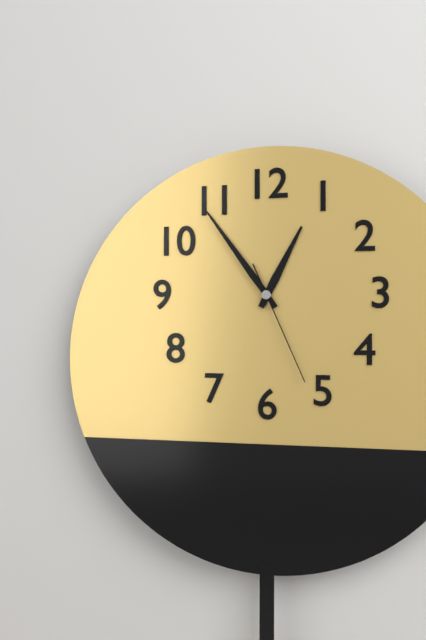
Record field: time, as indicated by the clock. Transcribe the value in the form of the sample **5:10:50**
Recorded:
**12:54:26**
